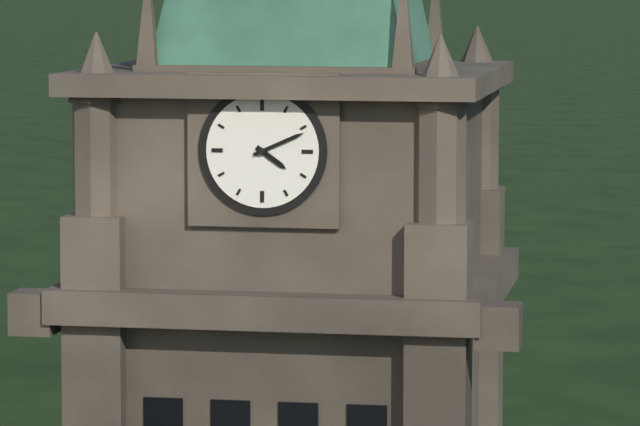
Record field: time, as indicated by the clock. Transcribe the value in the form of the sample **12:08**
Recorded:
**4:11**
